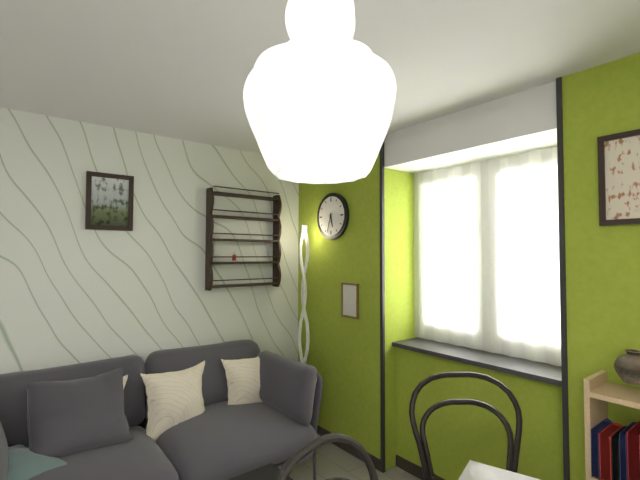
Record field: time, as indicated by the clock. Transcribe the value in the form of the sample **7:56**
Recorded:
**5:33**
